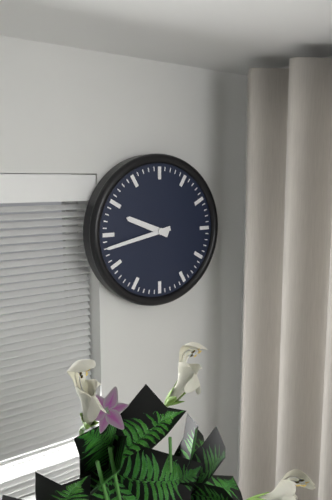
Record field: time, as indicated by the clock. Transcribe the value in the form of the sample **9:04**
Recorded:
**9:43**
